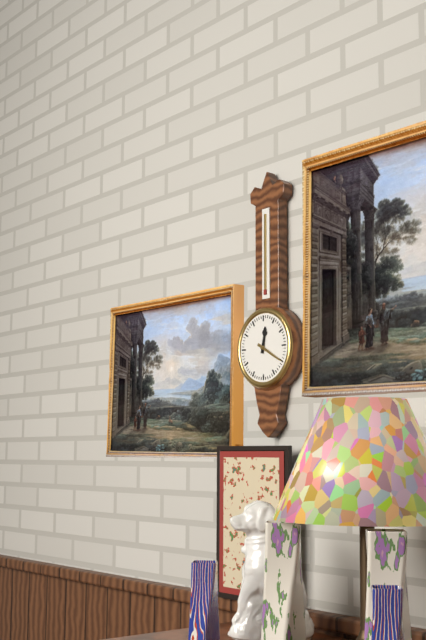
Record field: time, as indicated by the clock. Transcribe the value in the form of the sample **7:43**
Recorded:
**12:20**
